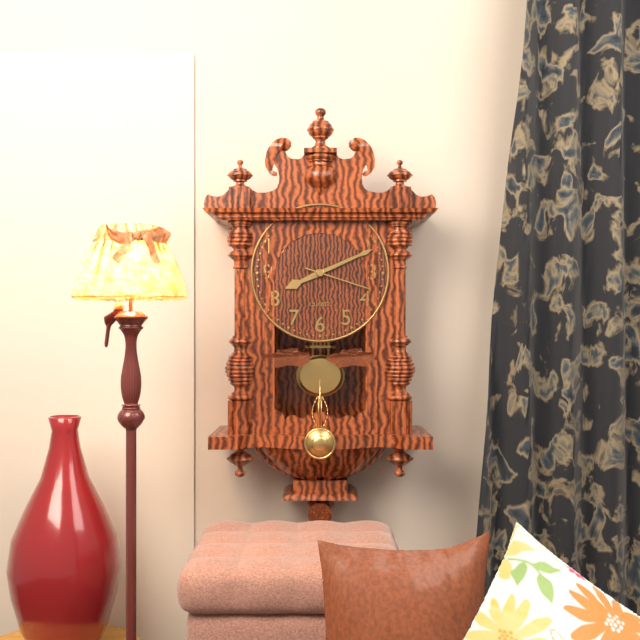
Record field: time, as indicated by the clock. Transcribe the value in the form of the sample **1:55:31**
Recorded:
**8:11:18**
